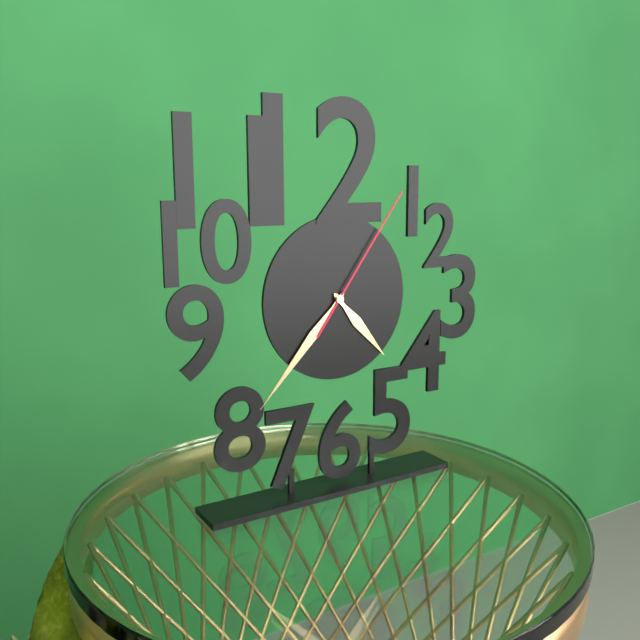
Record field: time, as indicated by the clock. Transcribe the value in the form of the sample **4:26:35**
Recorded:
**4:37:06**
